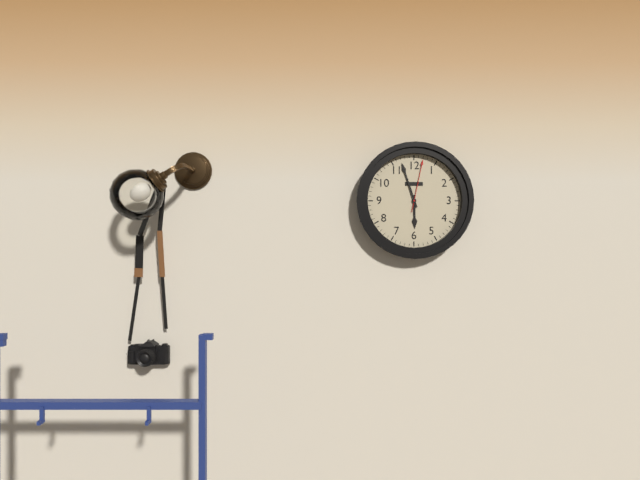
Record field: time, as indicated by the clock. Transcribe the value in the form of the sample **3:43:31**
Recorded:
**5:57:02**
